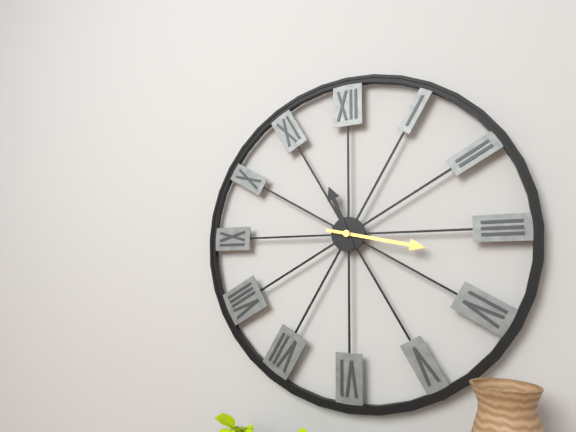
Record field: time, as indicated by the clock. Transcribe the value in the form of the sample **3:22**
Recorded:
**11:17**
